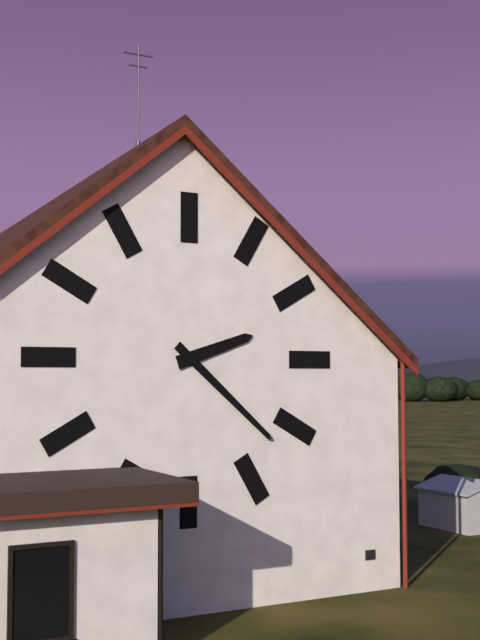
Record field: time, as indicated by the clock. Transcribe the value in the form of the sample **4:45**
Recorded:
**2:22**
